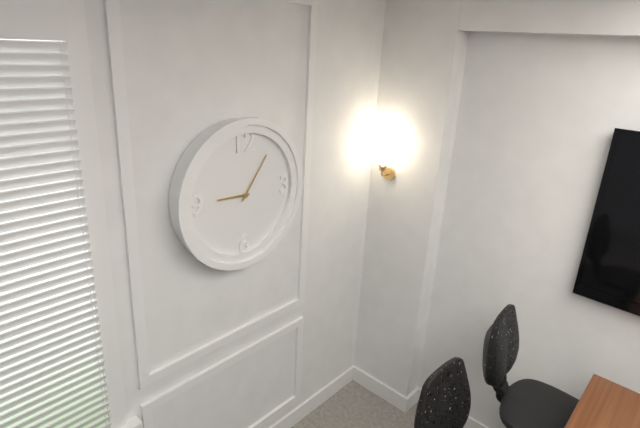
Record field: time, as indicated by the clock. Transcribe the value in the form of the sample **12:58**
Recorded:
**9:06**
